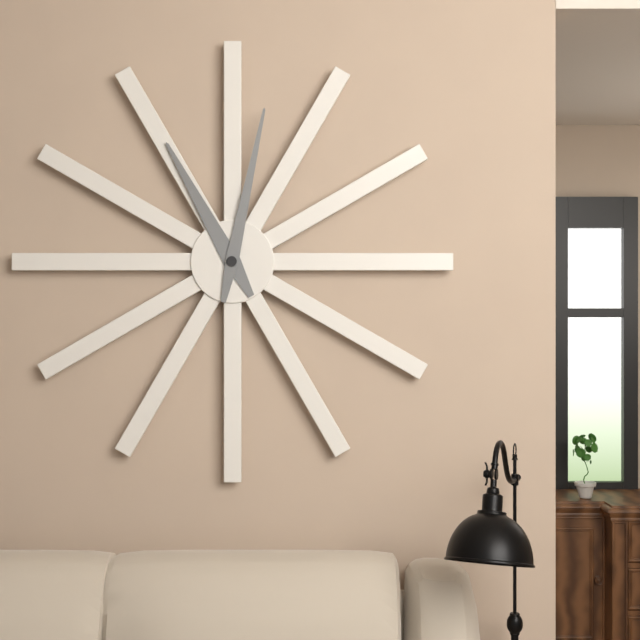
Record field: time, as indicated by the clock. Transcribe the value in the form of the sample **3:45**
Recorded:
**11:02**
